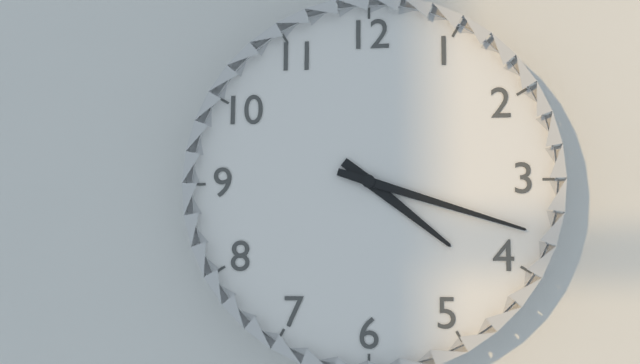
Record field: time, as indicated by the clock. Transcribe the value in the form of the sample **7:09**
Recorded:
**4:18**
